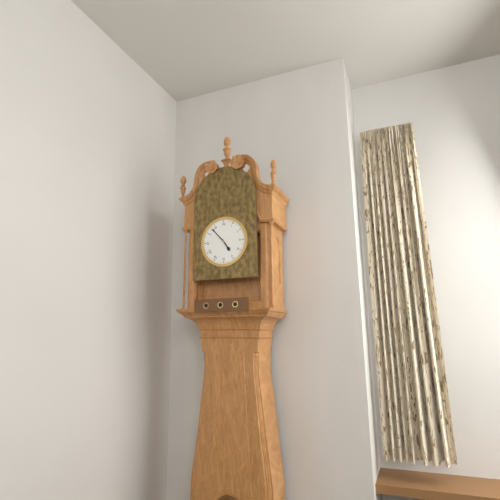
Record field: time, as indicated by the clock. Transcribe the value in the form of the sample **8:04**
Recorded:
**4:53**
